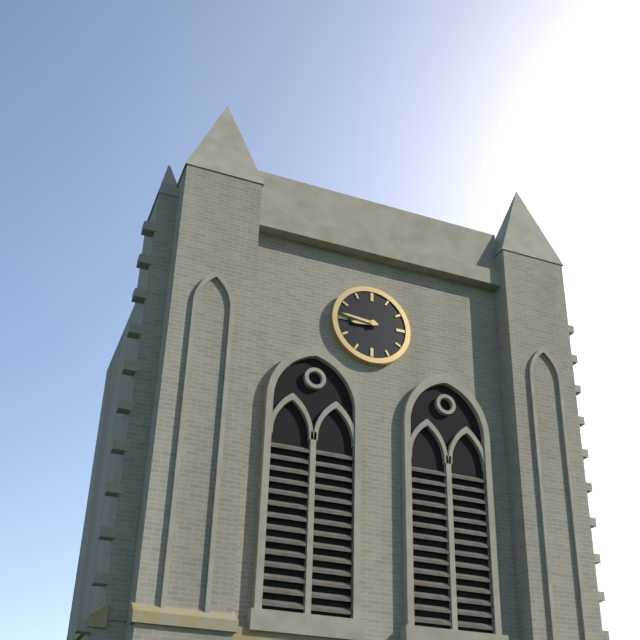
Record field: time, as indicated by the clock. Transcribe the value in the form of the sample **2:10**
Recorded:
**8:46**
